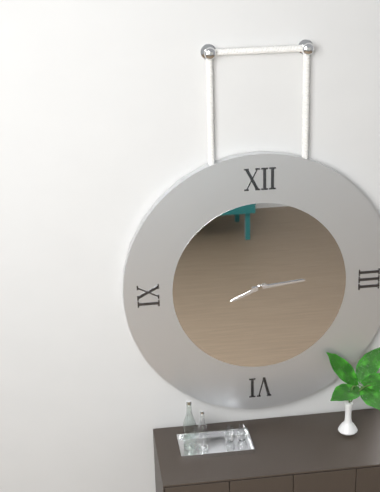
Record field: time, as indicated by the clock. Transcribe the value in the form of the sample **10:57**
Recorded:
**8:14**
